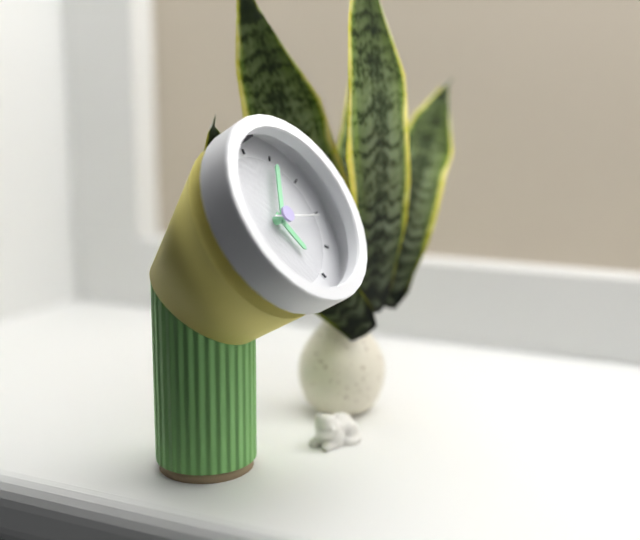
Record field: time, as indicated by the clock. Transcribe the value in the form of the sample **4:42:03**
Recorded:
**5:05:16**
